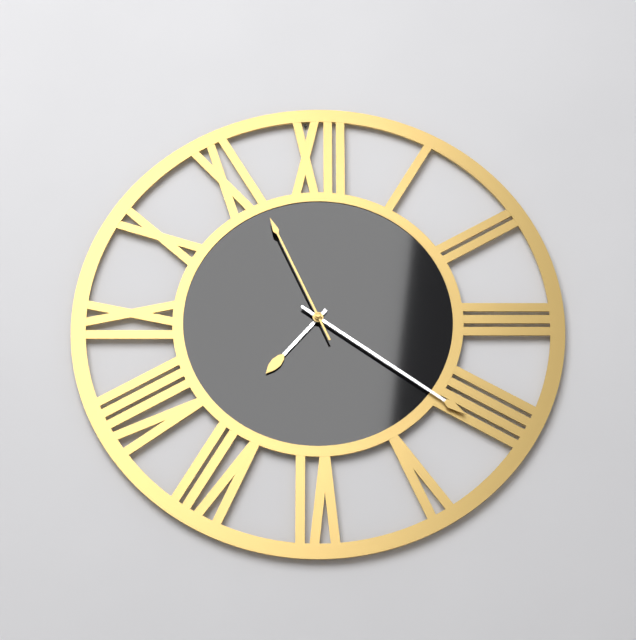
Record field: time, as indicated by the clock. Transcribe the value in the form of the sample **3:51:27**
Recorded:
**7:21:56**
